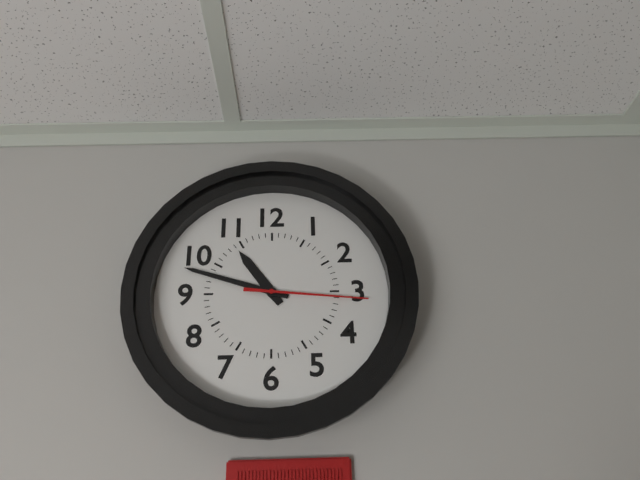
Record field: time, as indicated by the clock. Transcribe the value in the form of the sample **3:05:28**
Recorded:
**10:48:16**
